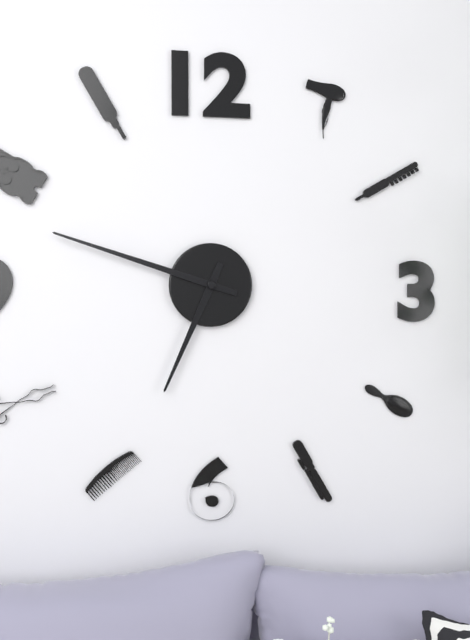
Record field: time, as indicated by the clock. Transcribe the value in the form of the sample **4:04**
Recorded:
**6:48**
